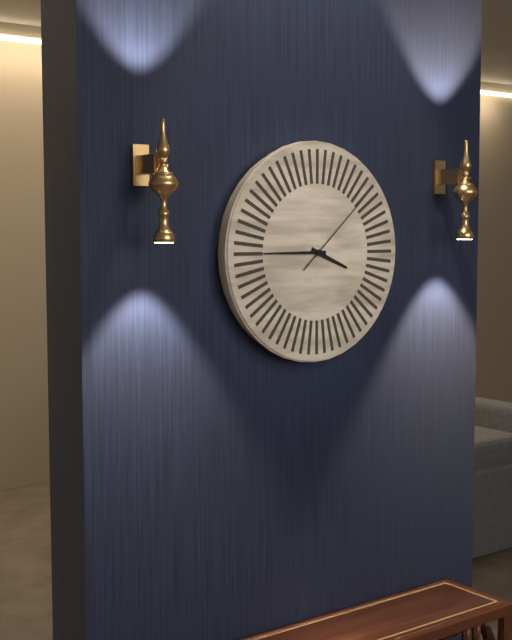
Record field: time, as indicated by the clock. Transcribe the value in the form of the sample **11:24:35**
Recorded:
**3:45:08**
